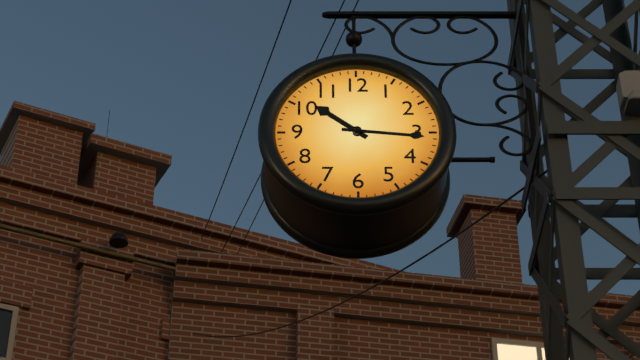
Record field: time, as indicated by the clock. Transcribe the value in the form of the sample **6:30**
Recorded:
**10:16**
